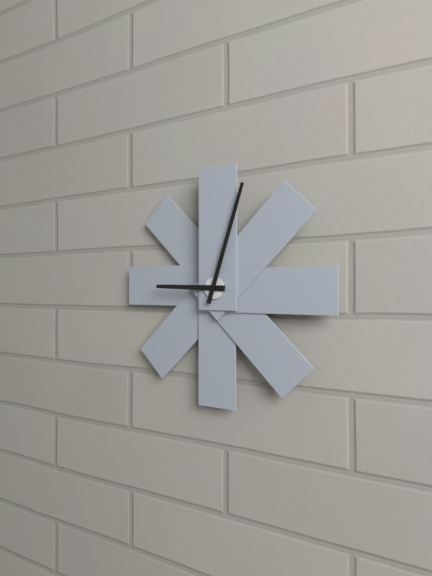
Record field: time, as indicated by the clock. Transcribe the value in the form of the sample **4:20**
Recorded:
**9:03**
